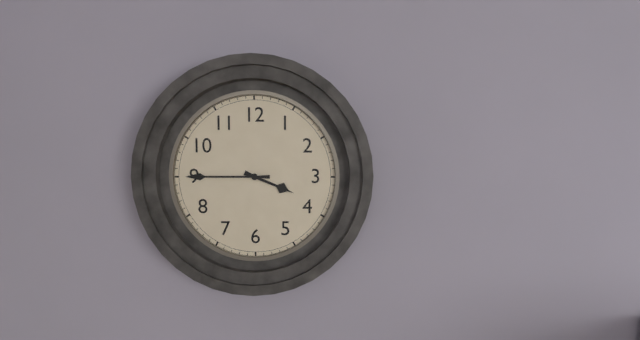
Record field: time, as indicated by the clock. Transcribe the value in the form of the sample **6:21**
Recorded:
**3:45**
